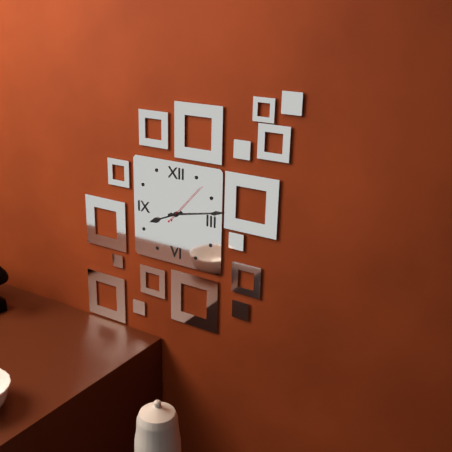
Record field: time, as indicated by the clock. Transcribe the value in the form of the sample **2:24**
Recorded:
**8:13**
